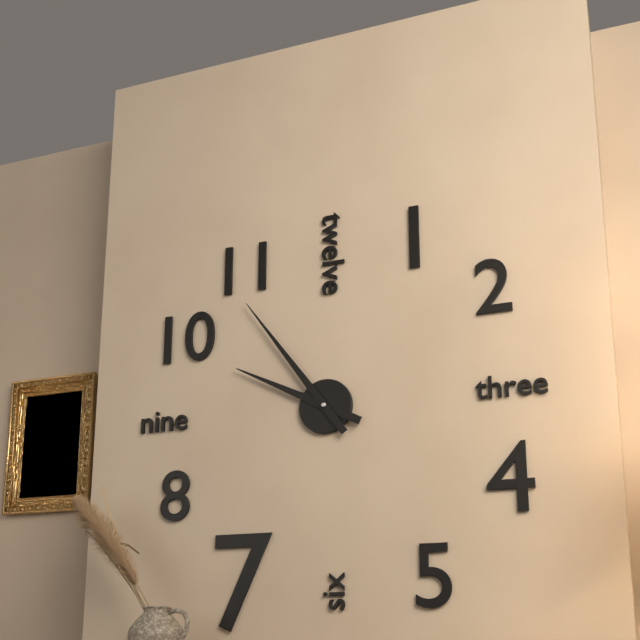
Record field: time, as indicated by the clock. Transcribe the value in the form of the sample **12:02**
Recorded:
**9:54**
